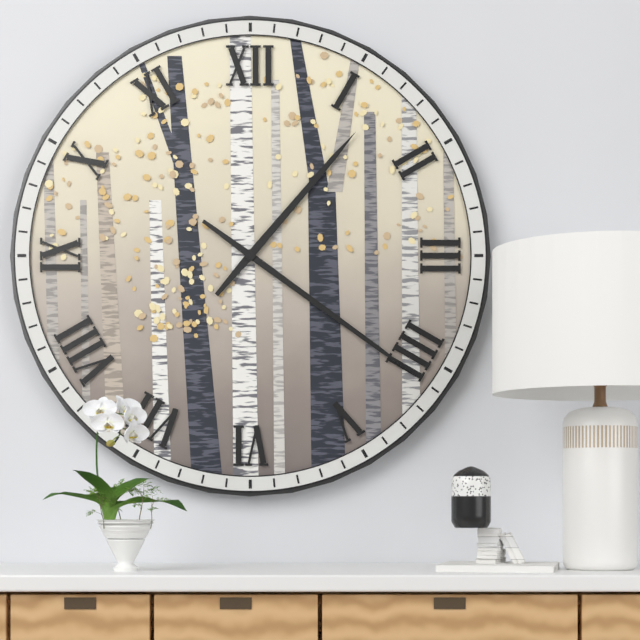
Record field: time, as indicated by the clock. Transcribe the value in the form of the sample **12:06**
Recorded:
**1:21**
